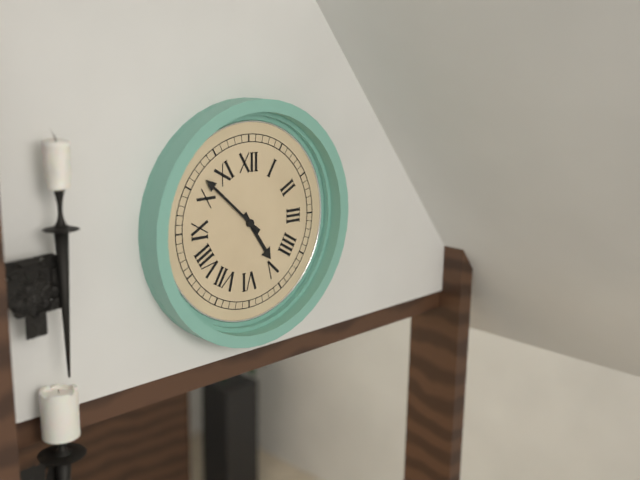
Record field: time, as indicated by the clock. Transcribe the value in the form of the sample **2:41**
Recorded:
**4:52**
